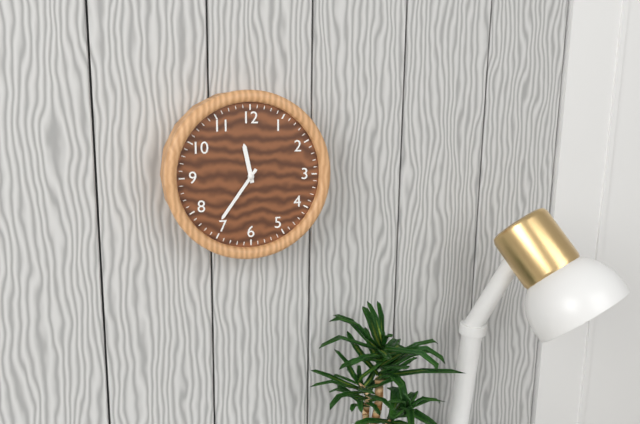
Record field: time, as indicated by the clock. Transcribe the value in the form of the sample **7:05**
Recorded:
**11:36**
